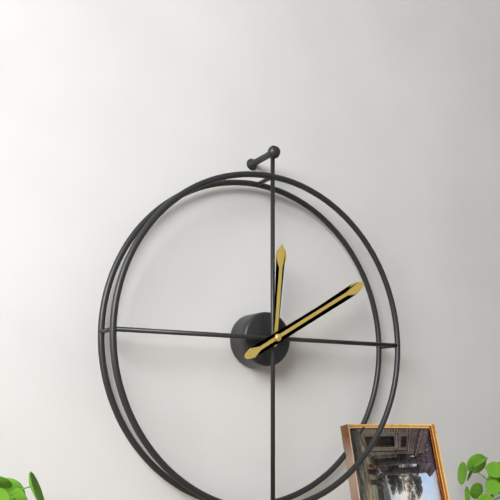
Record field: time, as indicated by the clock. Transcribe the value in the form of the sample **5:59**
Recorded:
**12:10**
